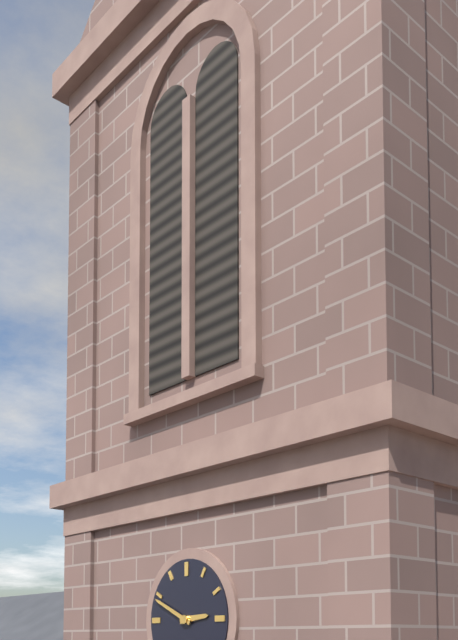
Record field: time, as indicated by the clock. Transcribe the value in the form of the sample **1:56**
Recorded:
**2:49**
